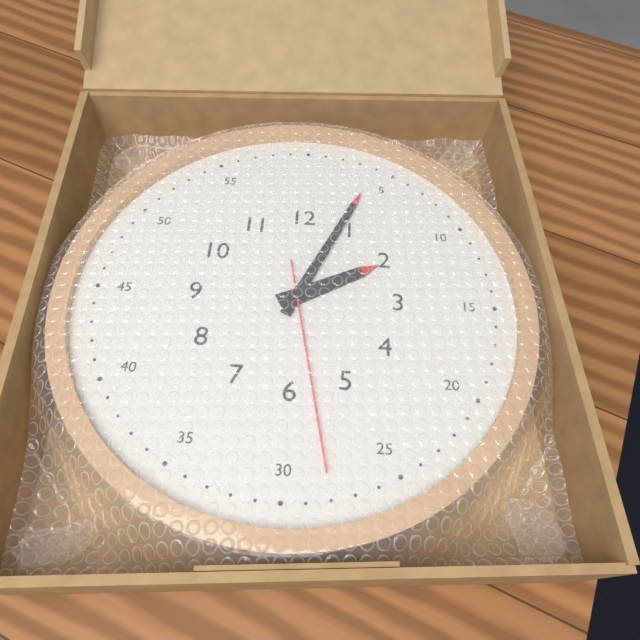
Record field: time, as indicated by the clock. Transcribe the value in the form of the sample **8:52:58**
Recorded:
**2:04:28**
